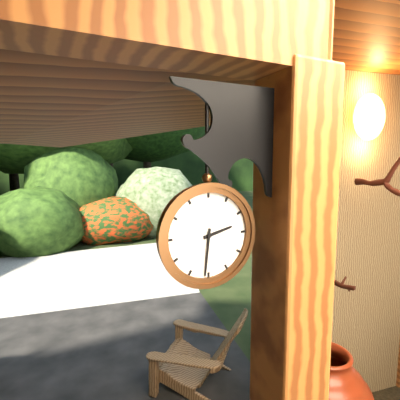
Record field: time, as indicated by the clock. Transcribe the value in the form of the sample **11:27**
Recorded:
**2:31**
